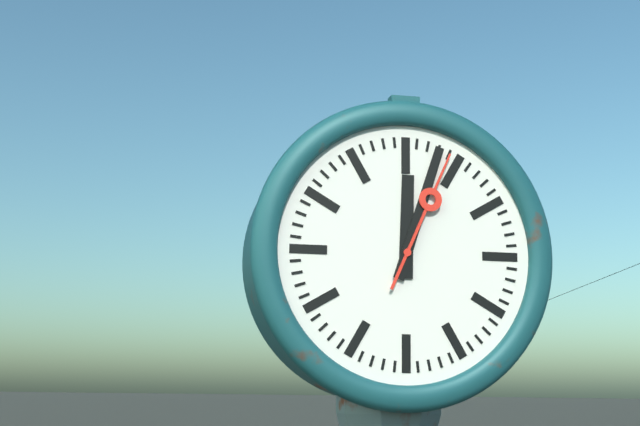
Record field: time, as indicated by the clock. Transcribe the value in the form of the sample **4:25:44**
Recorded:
**12:03:04**
